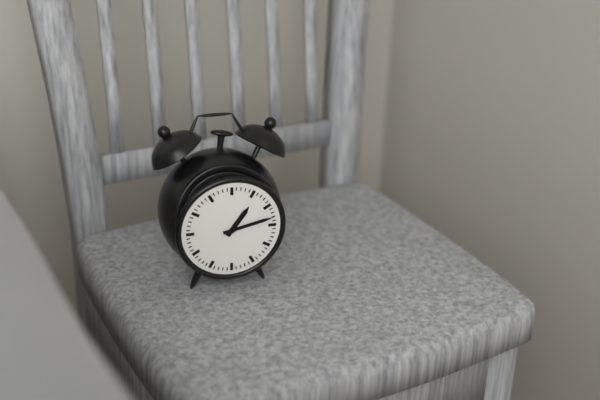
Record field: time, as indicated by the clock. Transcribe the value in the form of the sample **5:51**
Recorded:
**1:13**
